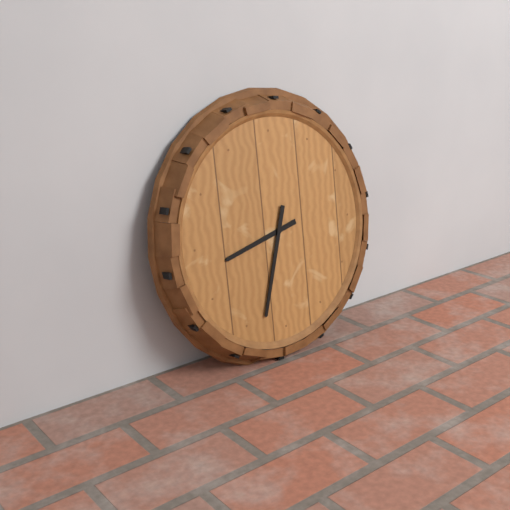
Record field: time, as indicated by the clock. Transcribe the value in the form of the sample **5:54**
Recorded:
**8:33**
